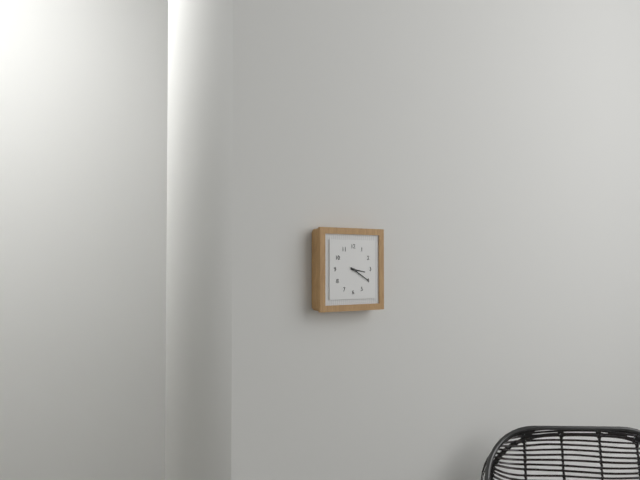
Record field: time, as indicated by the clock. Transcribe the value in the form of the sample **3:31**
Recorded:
**3:20**
